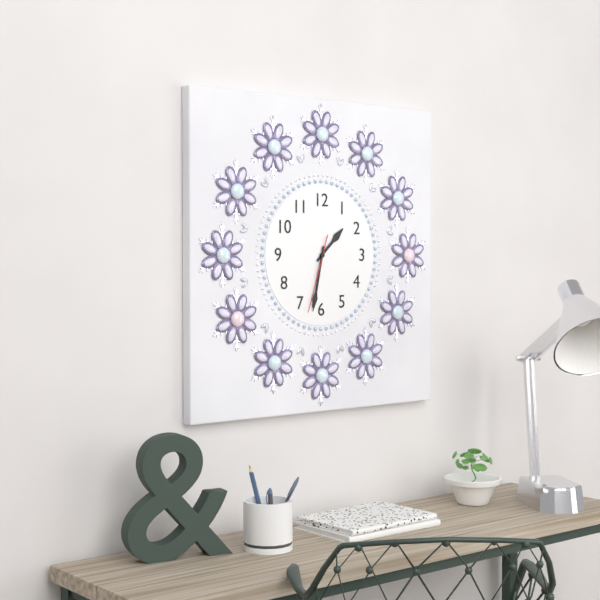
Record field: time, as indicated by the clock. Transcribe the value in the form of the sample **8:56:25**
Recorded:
**1:32:33**
